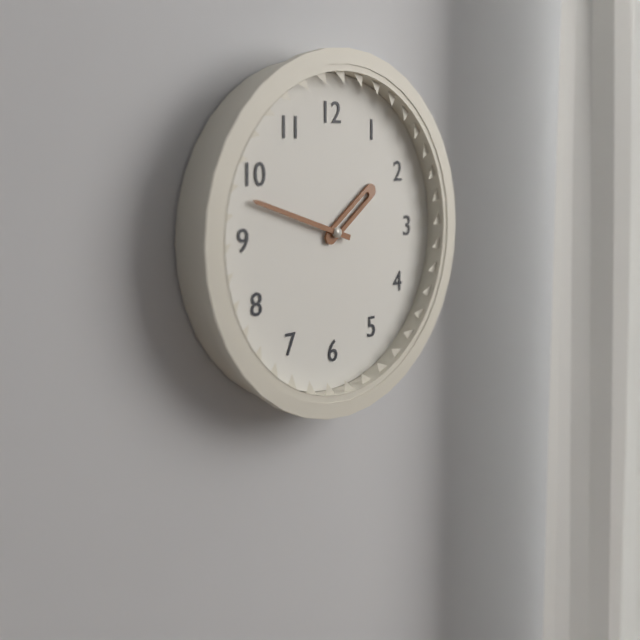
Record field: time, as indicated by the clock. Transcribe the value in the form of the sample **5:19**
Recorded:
**1:48**
